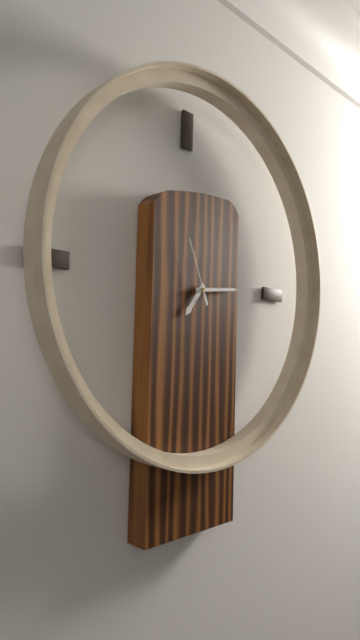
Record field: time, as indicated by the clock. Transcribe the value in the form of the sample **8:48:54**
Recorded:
**7:14:56**
